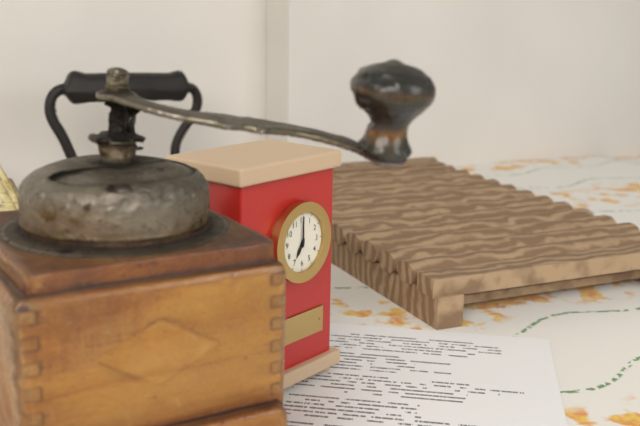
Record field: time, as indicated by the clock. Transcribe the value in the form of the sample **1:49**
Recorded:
**7:00**
